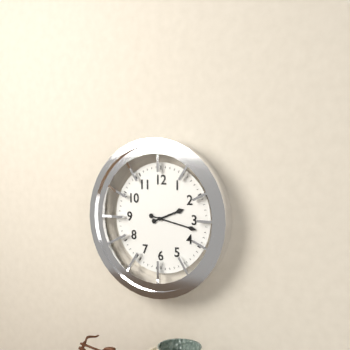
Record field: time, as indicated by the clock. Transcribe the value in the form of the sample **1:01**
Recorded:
**2:17**
